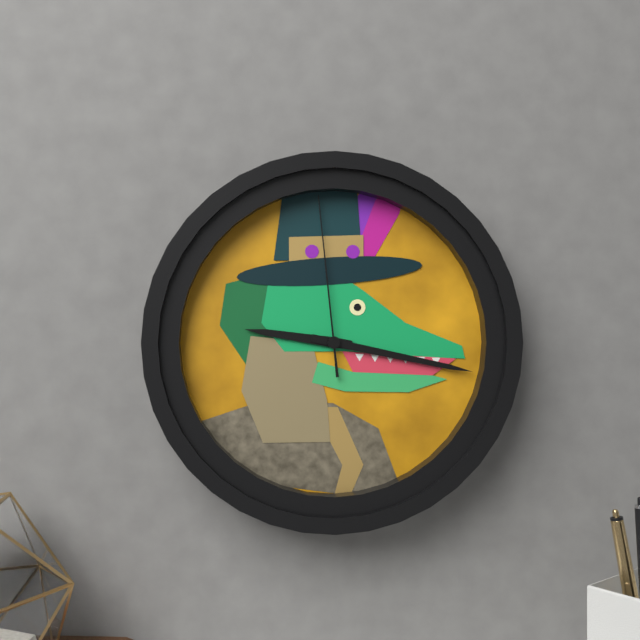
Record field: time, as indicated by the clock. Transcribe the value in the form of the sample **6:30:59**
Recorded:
**9:17:59**
